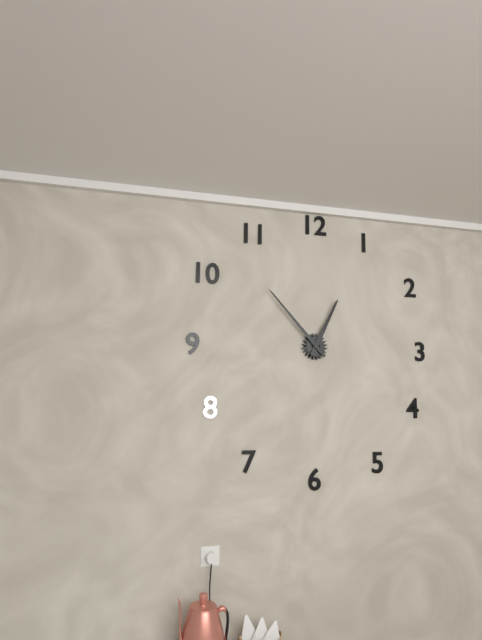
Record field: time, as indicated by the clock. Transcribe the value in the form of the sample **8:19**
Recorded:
**12:53**
